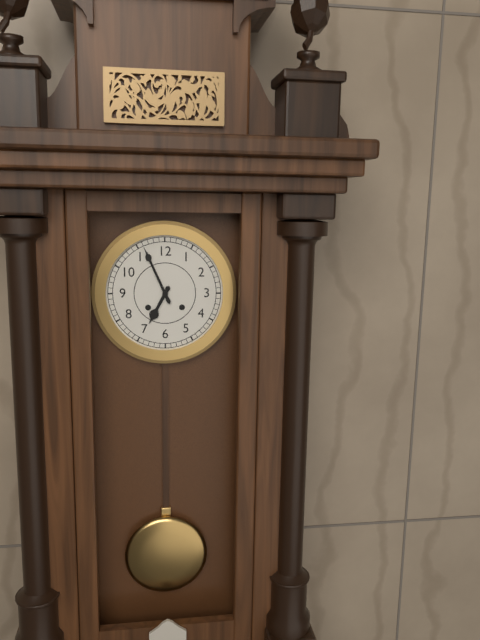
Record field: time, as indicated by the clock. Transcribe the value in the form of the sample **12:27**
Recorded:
**6:56**
